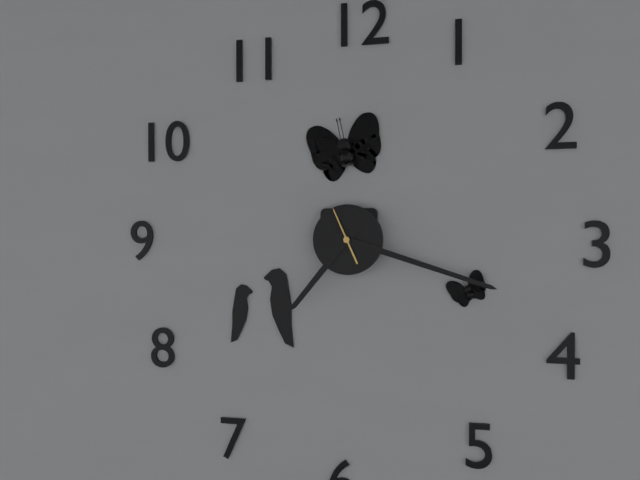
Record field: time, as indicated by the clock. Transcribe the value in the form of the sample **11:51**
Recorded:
**7:18**
